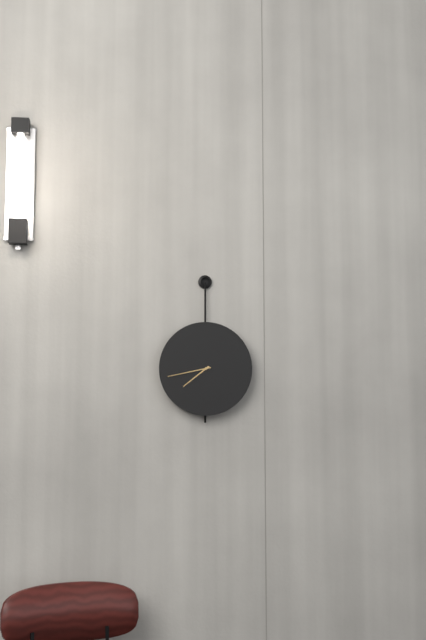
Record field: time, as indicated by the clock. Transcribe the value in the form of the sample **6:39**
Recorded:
**7:43**
